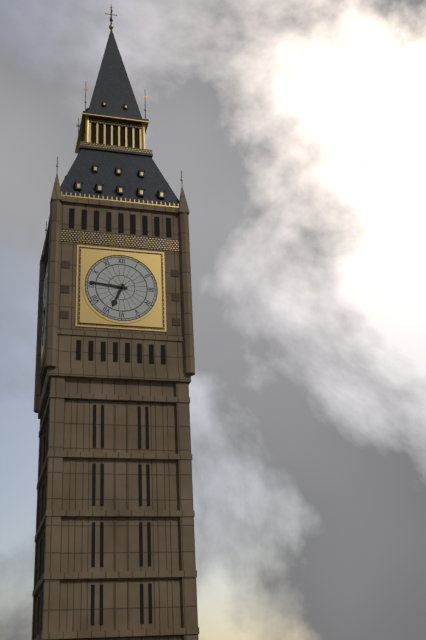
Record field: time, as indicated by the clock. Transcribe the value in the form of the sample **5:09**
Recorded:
**6:46**
